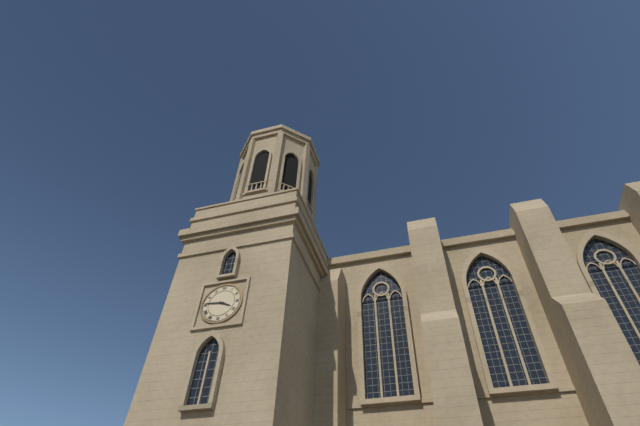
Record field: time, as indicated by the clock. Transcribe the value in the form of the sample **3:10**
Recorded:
**3:46**
